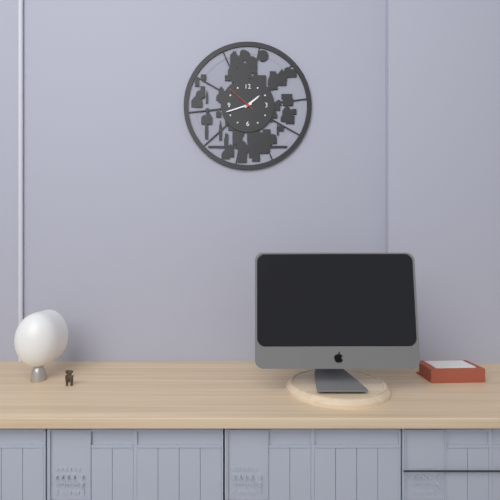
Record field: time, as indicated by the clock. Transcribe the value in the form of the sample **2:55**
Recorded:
**1:42**
